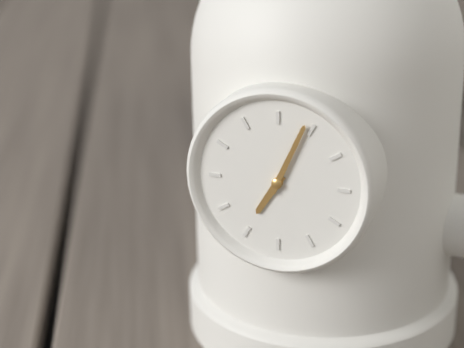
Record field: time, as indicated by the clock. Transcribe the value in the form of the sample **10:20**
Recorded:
**7:04**
